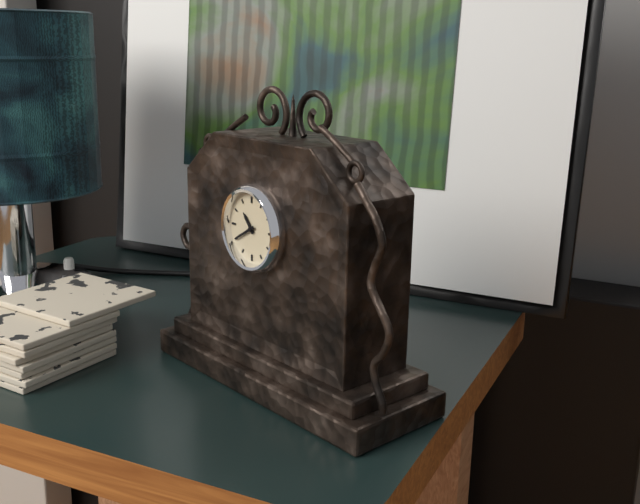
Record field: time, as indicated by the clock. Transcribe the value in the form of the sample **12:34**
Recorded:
**10:40**
